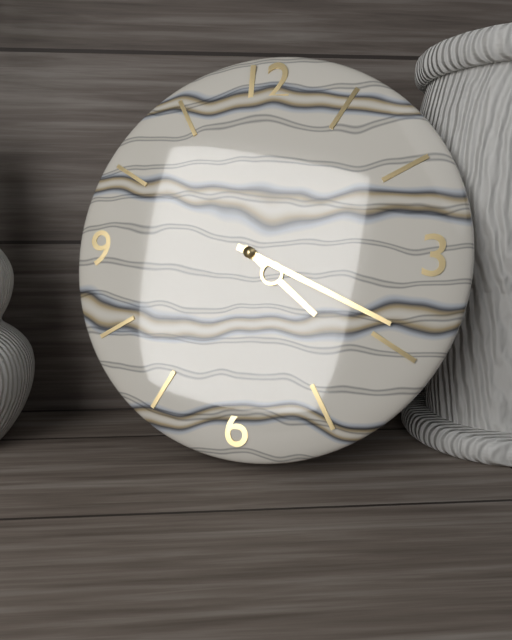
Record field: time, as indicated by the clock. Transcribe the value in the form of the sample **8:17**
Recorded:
**4:19**
